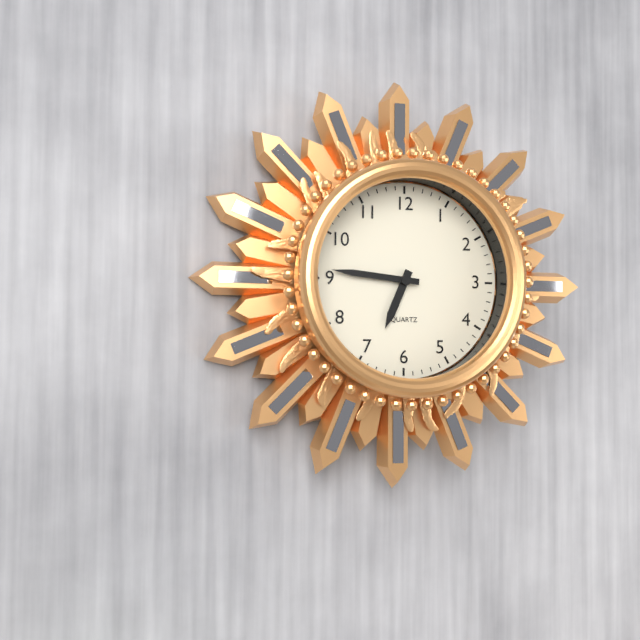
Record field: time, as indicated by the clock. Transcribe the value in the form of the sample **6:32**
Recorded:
**6:46**
